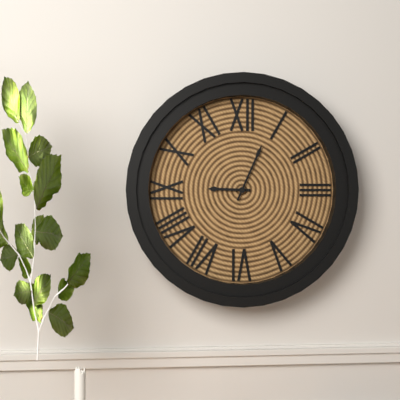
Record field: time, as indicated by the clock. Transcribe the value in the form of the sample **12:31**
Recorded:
**9:04**
